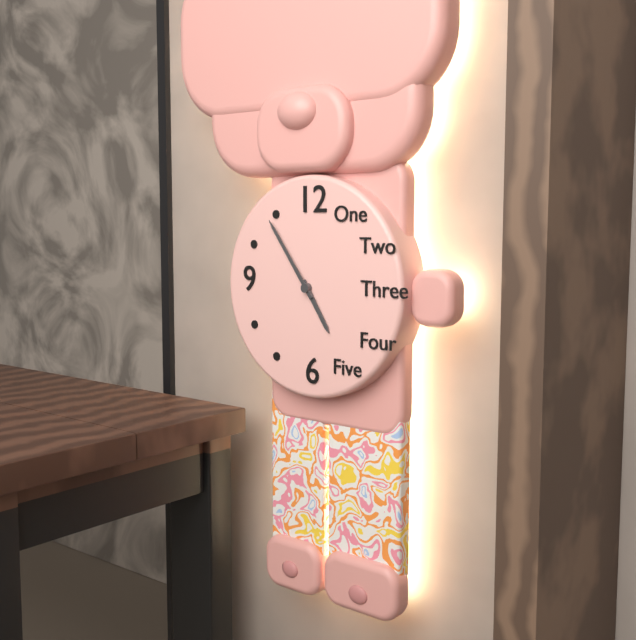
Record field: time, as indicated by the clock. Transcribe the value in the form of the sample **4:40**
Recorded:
**4:54**
